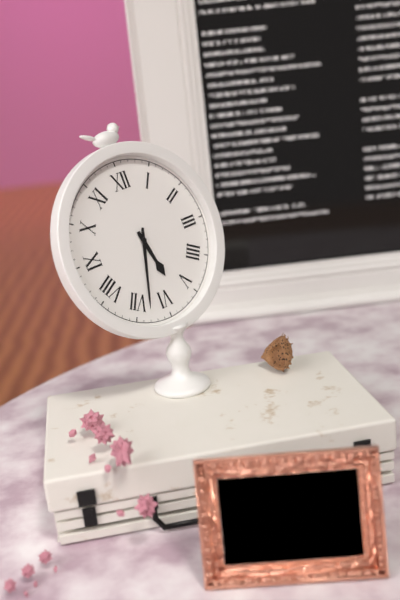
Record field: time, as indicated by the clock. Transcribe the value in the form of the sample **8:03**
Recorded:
**5:33**
